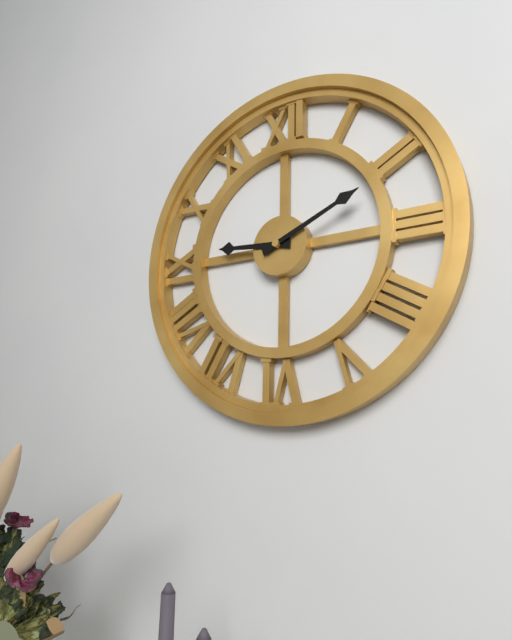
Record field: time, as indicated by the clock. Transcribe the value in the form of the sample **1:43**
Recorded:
**9:11**
